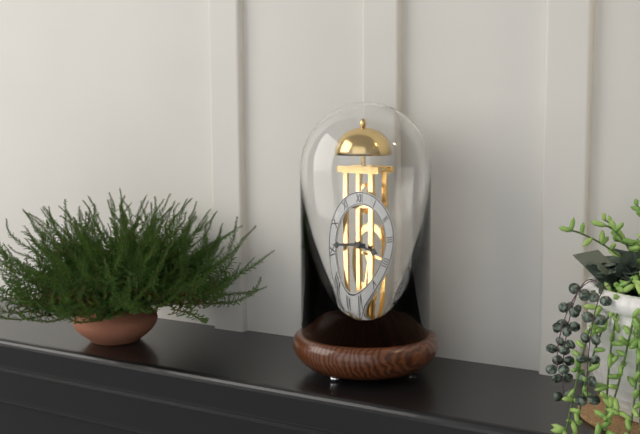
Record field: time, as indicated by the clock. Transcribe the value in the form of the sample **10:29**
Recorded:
**3:46**
